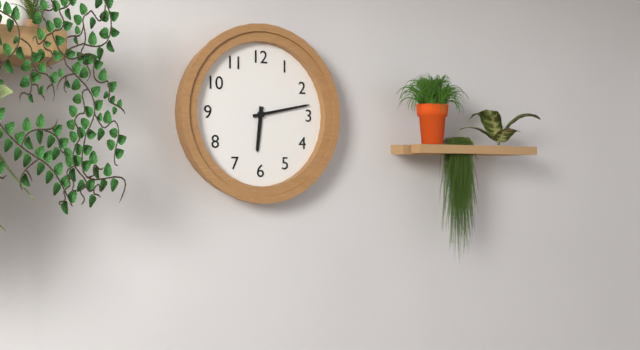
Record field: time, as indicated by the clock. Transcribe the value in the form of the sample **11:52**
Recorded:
**6:13**
